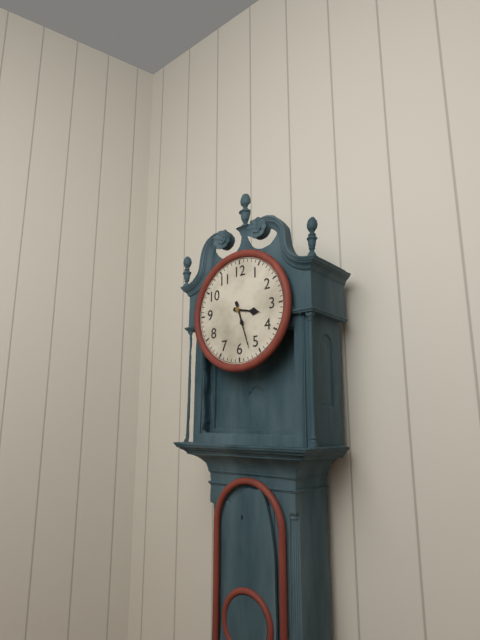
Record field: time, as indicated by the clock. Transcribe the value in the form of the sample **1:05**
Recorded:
**3:27**
